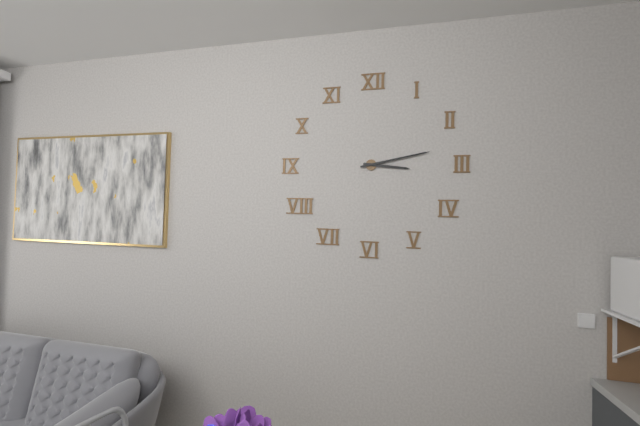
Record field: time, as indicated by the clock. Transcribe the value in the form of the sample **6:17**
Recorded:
**3:13**
